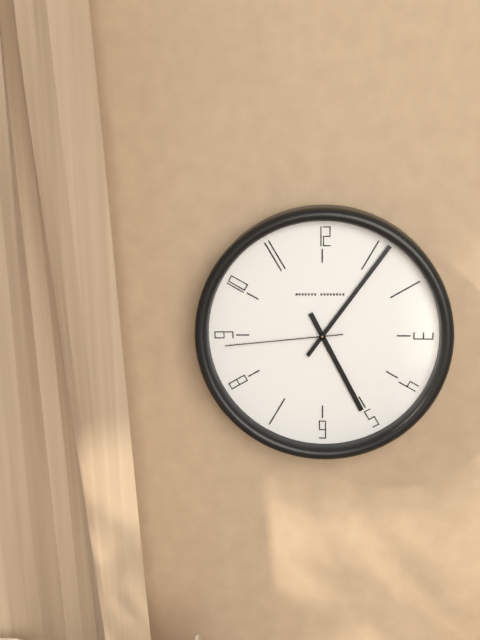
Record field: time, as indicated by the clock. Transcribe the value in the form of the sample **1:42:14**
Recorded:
**5:06:44**
